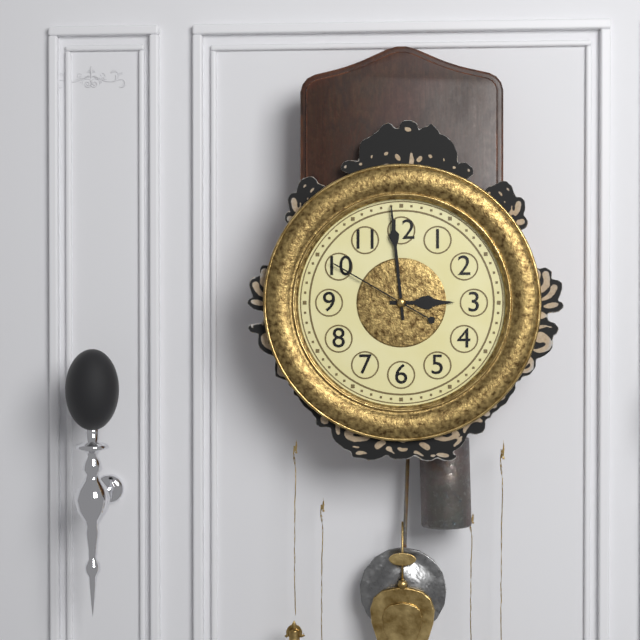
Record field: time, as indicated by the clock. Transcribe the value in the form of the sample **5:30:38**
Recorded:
**2:59:50**
